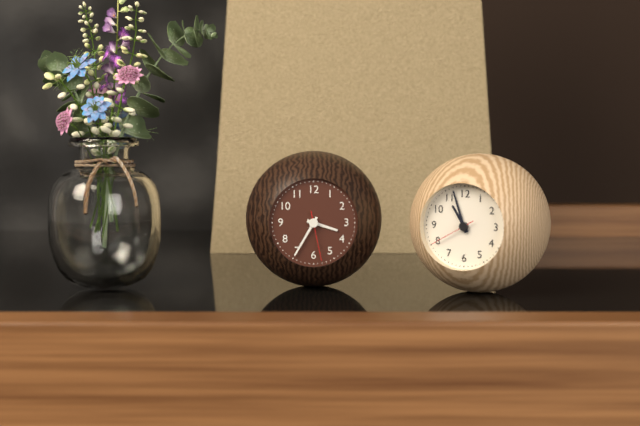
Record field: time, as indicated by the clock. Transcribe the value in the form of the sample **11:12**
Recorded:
**3:35**
